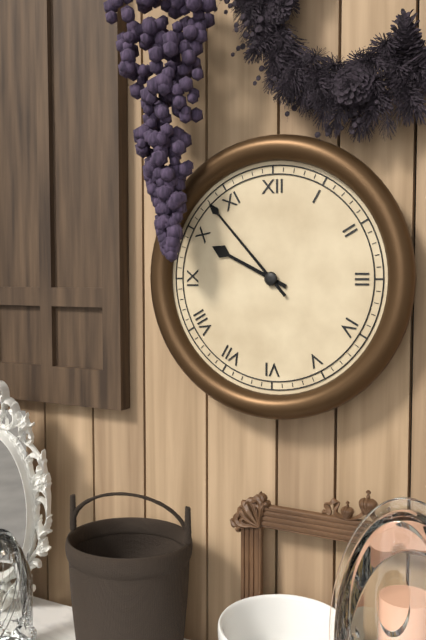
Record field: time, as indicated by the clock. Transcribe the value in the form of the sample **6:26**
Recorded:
**9:53**
